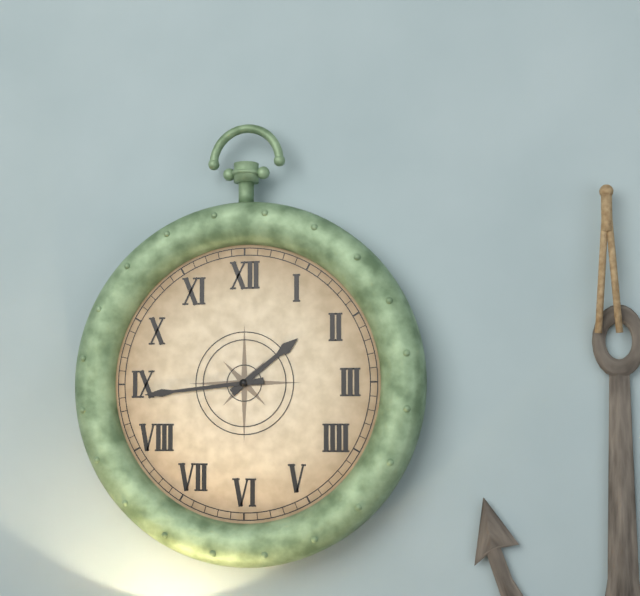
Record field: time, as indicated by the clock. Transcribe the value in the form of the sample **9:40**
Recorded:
**1:44**
